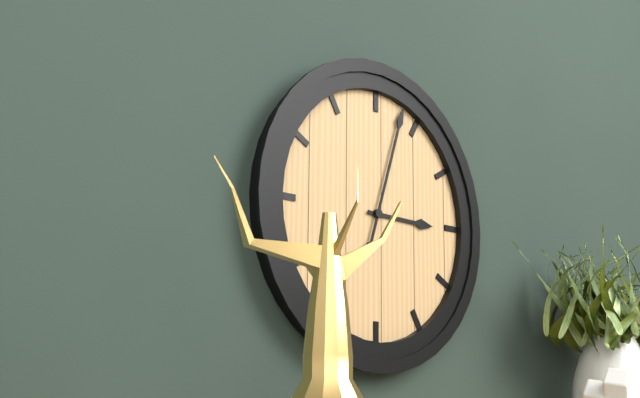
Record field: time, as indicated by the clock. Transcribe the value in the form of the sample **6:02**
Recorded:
**3:03**
